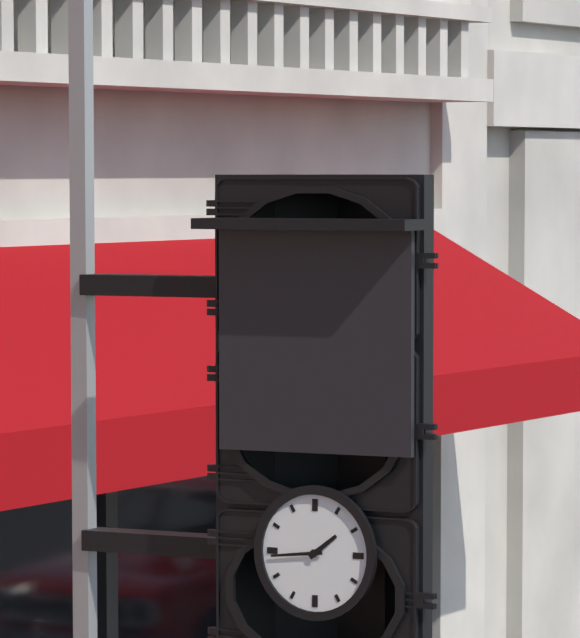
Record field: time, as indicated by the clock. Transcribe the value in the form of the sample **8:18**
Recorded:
**1:44**
